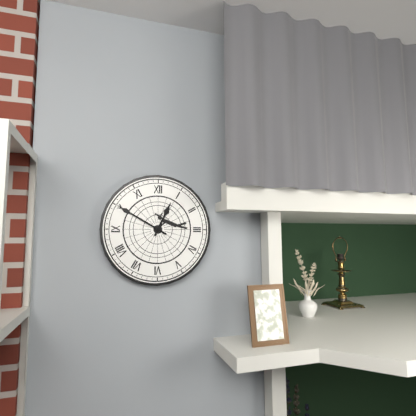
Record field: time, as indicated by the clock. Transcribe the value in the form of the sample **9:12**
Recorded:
**12:50**
